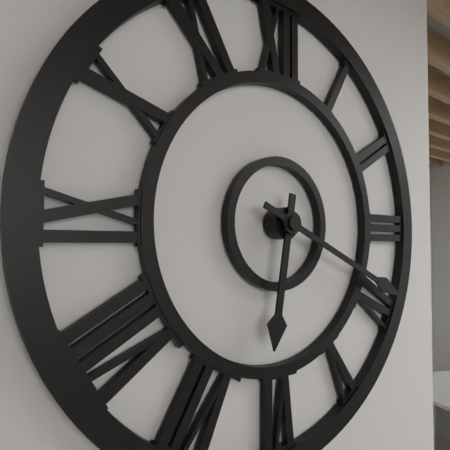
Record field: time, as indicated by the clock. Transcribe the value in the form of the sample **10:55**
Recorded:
**6:19**
